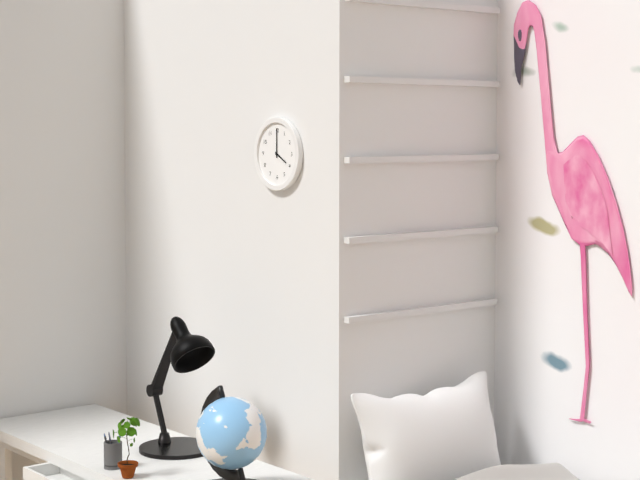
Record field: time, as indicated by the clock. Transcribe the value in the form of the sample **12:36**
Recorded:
**4:00**
